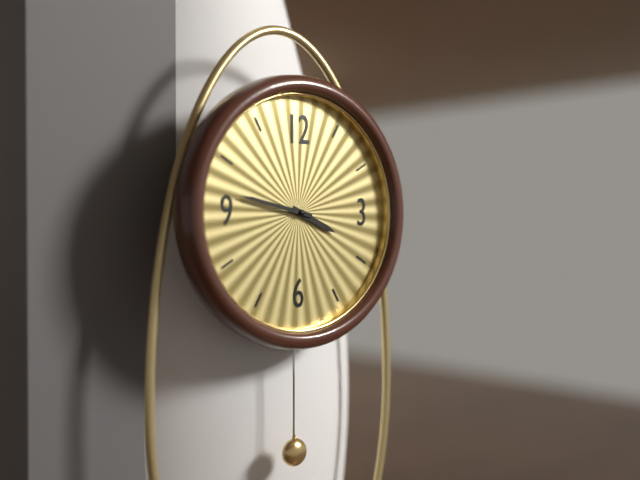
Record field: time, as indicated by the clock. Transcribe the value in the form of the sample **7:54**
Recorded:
**3:47**
